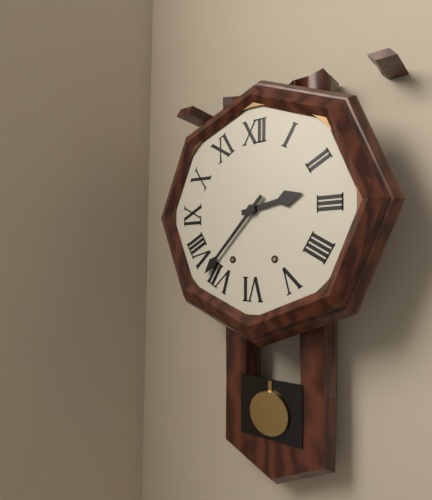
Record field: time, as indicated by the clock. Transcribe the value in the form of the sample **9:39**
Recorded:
**2:37**
